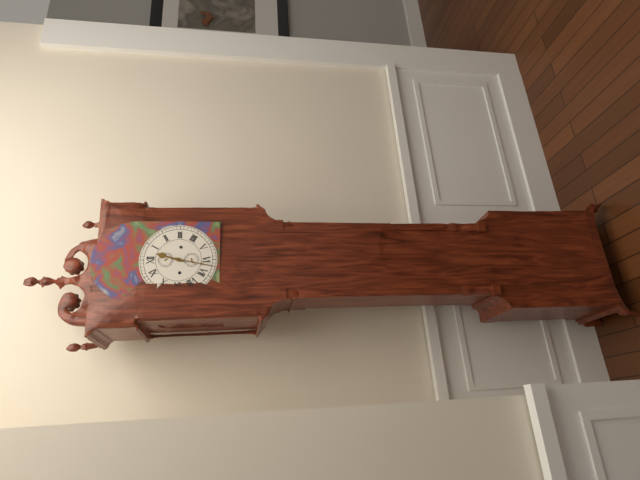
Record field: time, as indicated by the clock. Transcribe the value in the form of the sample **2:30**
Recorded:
**12:32**
